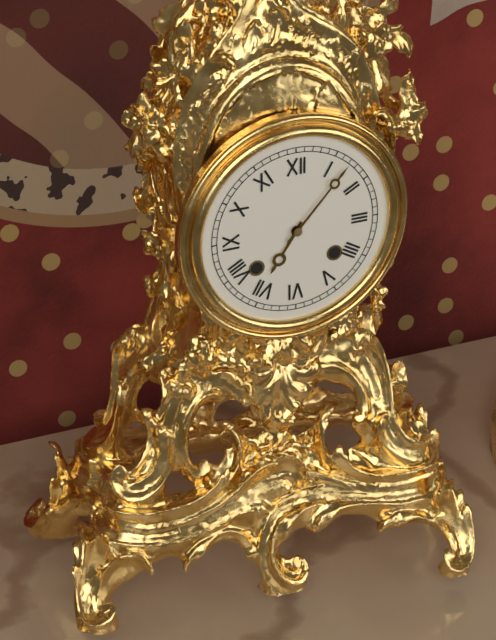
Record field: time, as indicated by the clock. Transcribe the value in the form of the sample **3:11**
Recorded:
**7:07**
